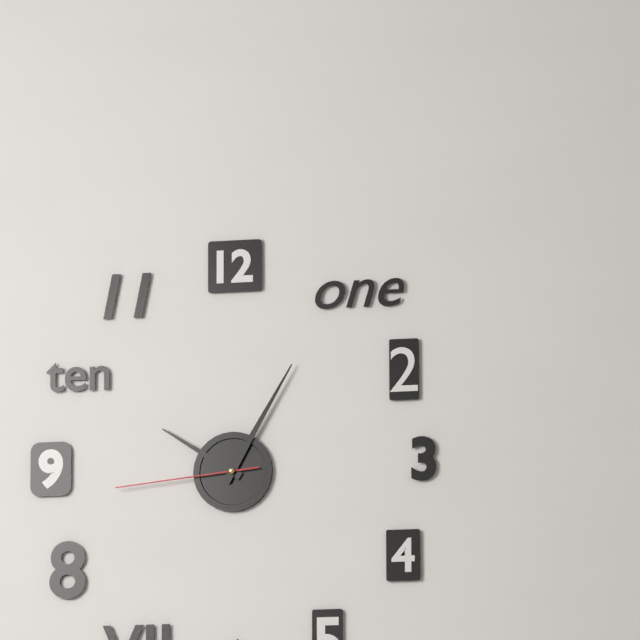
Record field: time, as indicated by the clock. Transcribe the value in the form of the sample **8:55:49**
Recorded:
**10:05:44**
